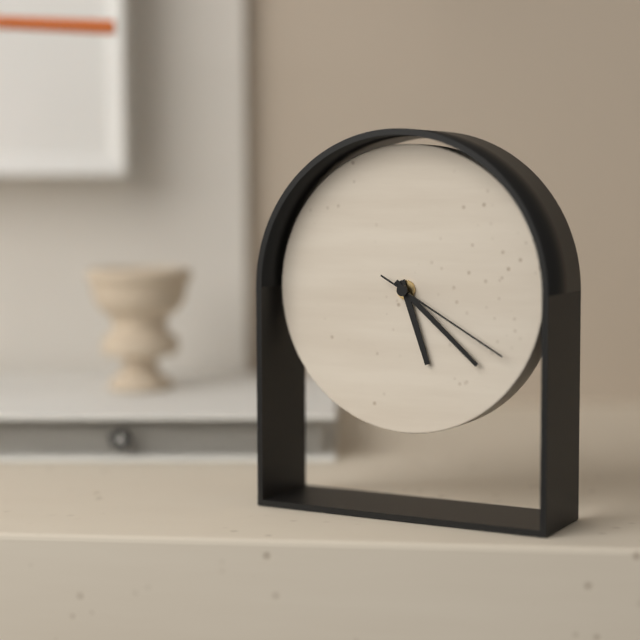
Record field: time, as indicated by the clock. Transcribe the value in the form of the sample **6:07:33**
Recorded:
**5:22:20**
